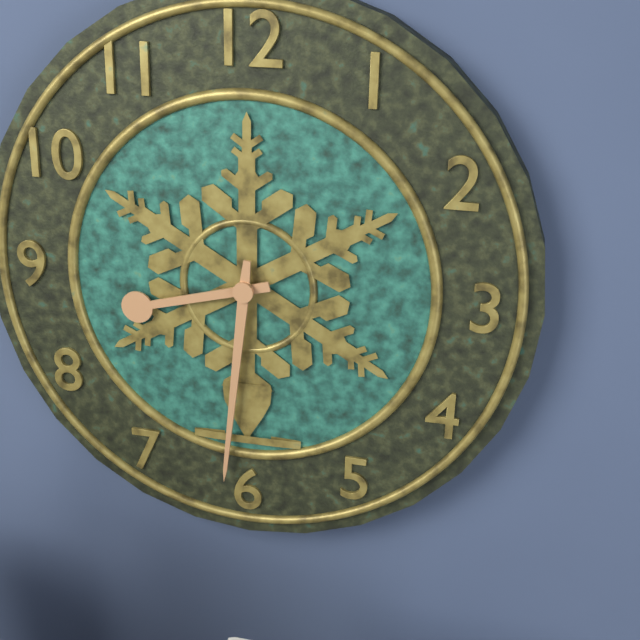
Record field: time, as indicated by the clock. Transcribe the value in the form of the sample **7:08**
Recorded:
**8:31**
